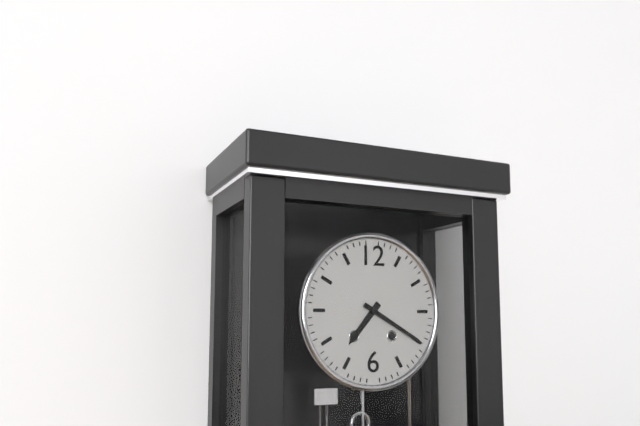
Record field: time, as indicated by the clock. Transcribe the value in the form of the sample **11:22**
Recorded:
**7:20**
